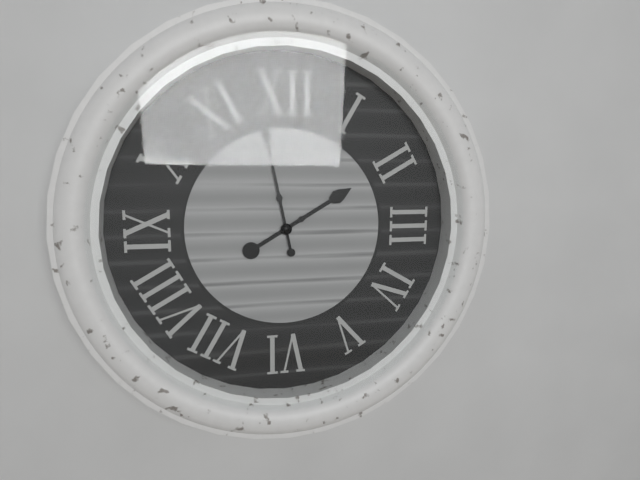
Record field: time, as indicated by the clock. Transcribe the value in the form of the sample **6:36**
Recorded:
**1:58**
